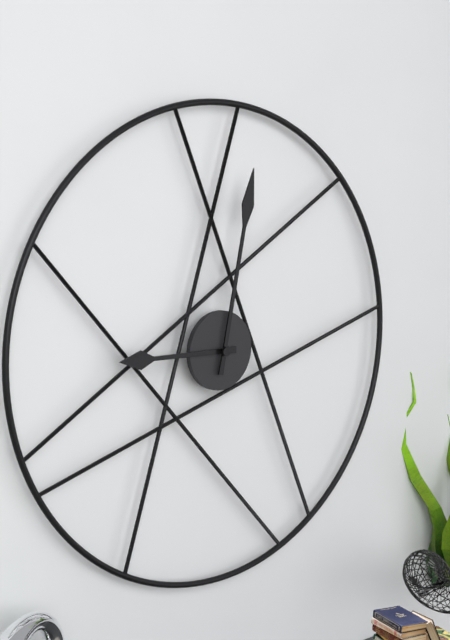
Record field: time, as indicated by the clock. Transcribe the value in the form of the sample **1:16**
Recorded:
**9:02**
